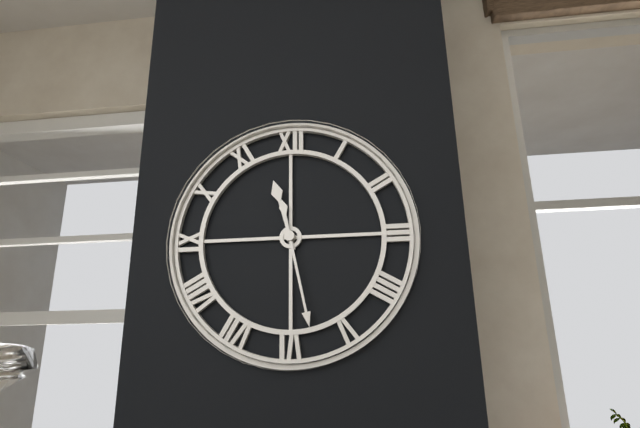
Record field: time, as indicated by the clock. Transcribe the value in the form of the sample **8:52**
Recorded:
**11:28**
